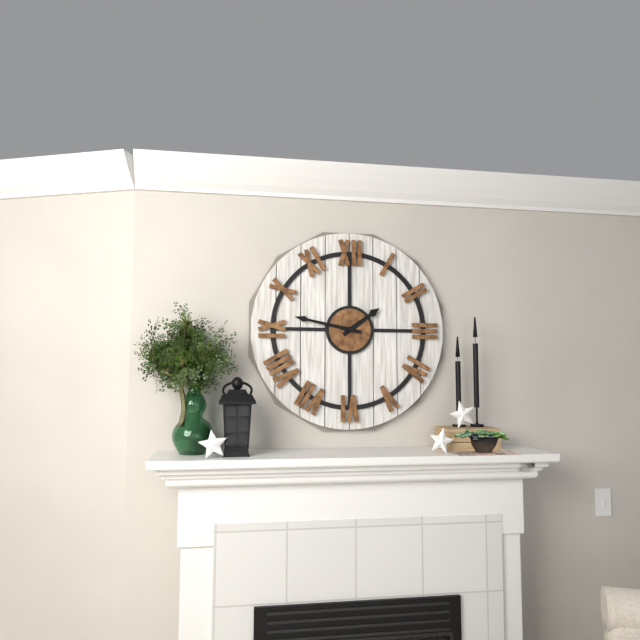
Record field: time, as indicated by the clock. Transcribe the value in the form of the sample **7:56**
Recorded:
**1:47**
